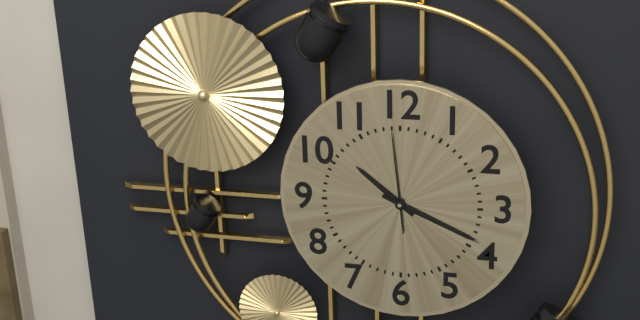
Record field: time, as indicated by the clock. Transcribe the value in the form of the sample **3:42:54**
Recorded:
**10:19:59**
